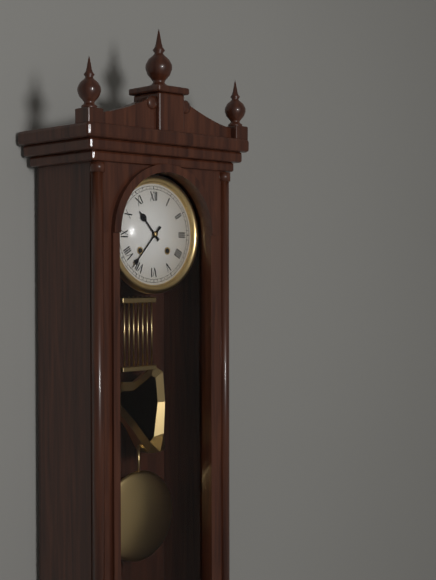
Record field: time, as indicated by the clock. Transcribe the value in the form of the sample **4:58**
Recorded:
**10:37**
